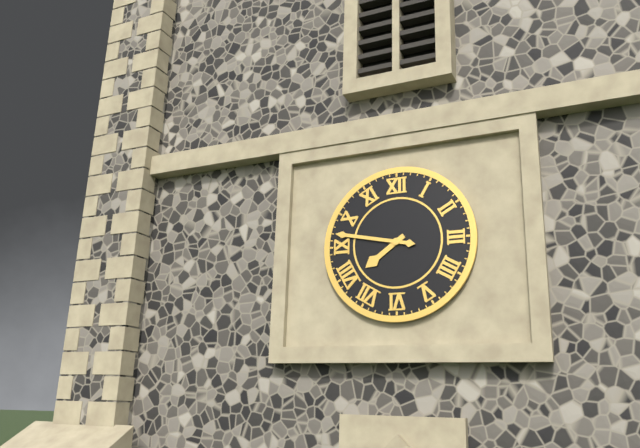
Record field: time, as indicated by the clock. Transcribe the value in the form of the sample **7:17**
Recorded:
**7:47**
